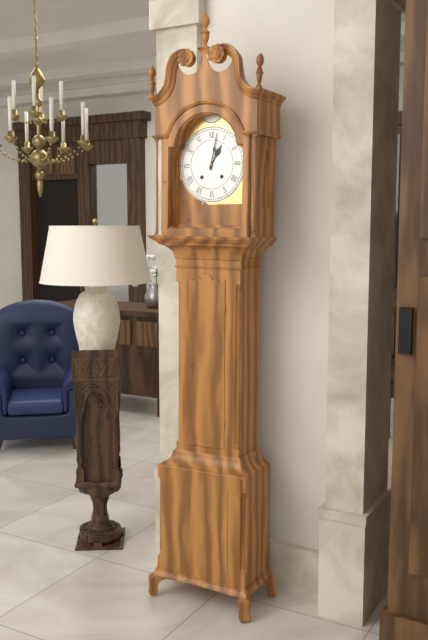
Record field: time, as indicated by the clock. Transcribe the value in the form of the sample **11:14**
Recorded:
**1:02**
